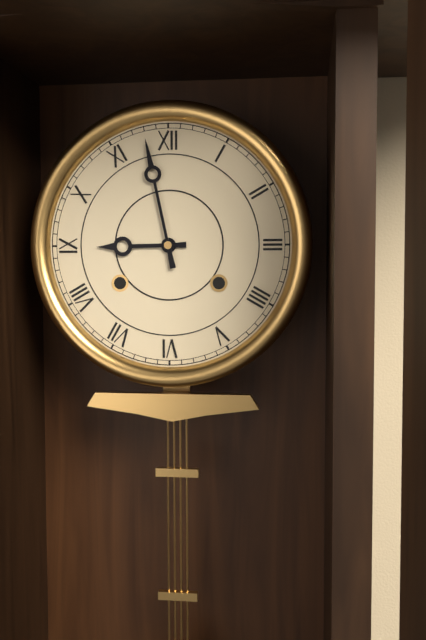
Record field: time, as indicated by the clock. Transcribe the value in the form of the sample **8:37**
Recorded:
**8:58**
